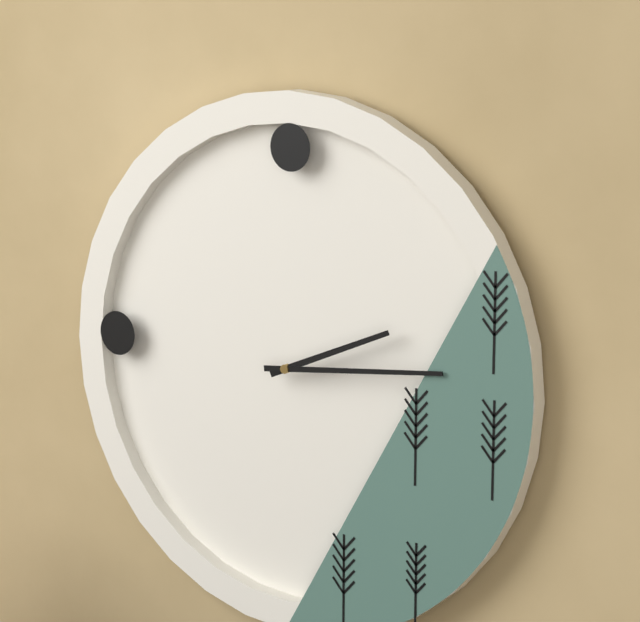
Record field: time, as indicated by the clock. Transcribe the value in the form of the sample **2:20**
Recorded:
**2:14**
